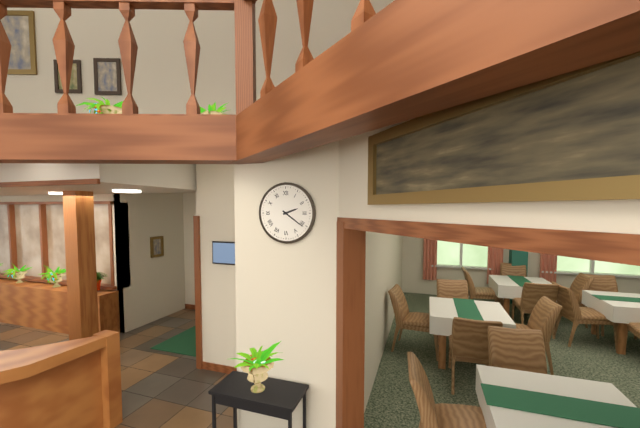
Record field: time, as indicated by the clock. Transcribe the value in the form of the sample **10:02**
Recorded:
**2:21**
